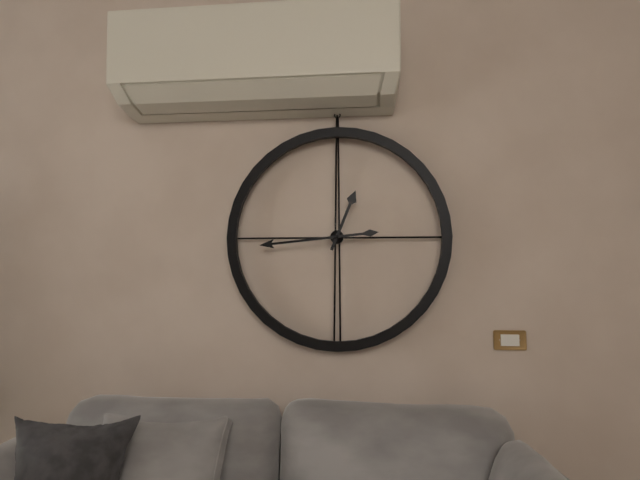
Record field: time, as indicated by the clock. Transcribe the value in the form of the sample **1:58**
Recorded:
**12:44**
